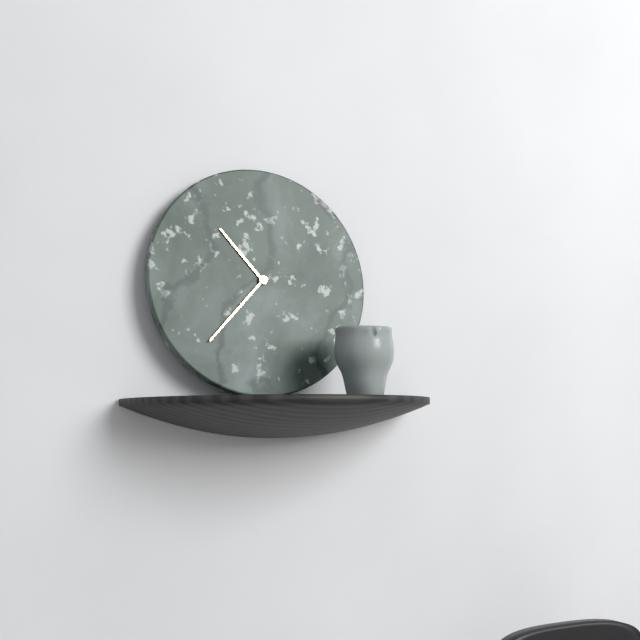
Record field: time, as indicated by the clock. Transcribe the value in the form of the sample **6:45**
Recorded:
**10:37**
